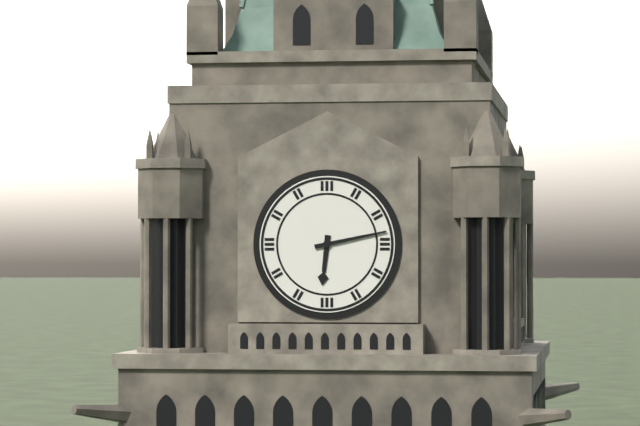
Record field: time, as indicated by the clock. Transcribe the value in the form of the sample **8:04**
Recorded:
**6:13**
